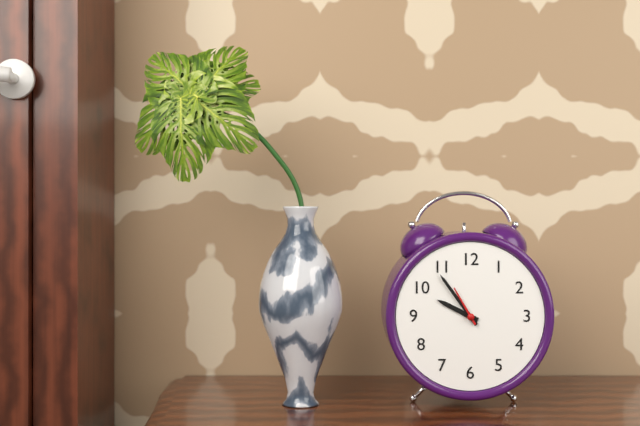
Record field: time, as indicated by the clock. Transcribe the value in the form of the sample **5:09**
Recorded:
**9:54**
